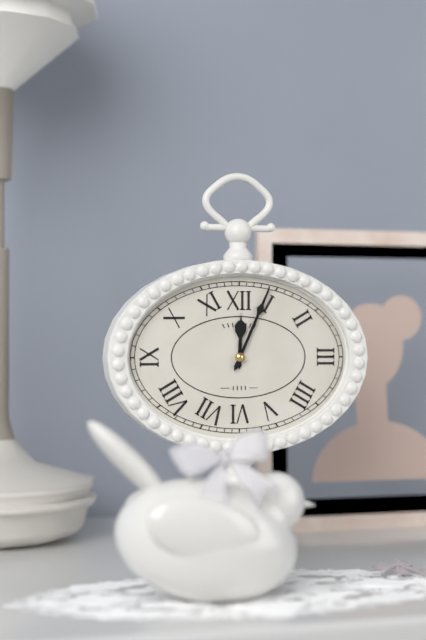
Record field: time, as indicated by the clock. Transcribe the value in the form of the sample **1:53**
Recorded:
**12:04**
